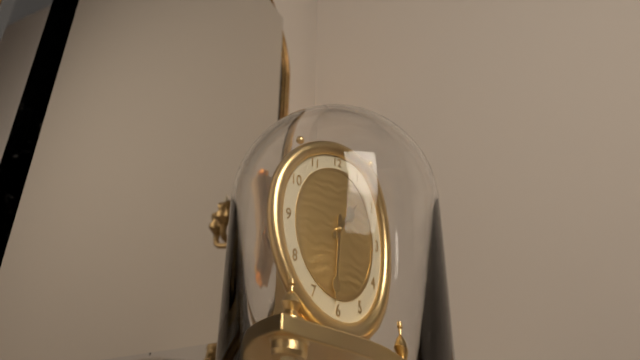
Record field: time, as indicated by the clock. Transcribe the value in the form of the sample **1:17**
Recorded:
**1:31**
